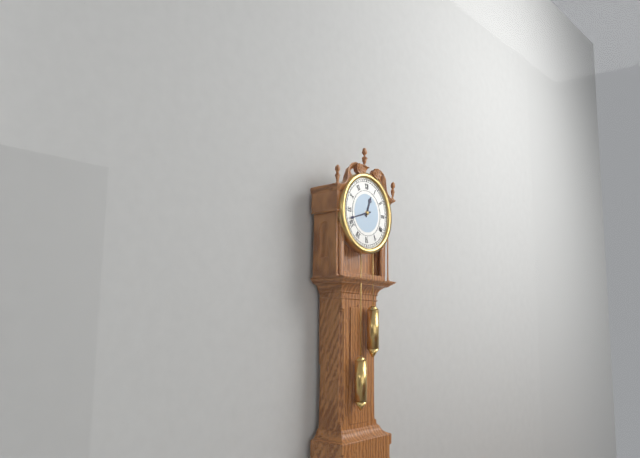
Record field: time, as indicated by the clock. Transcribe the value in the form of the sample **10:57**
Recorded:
**12:42**
